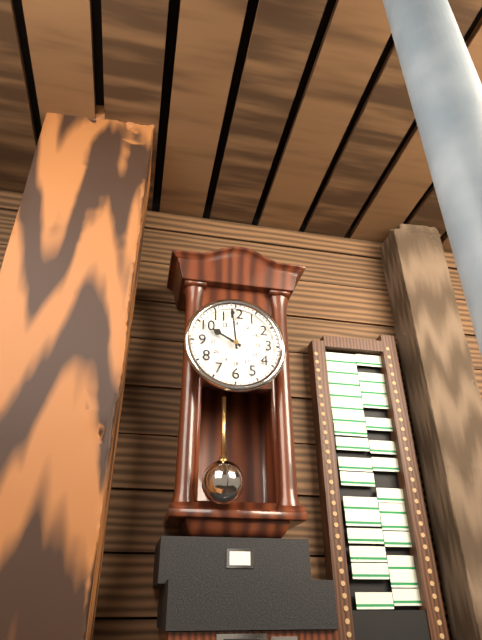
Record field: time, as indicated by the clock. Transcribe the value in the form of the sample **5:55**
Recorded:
**9:59**
